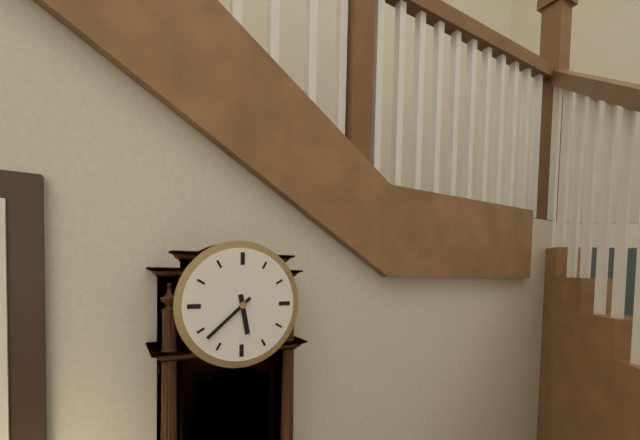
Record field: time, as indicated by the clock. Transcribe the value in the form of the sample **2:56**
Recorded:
**5:38**
